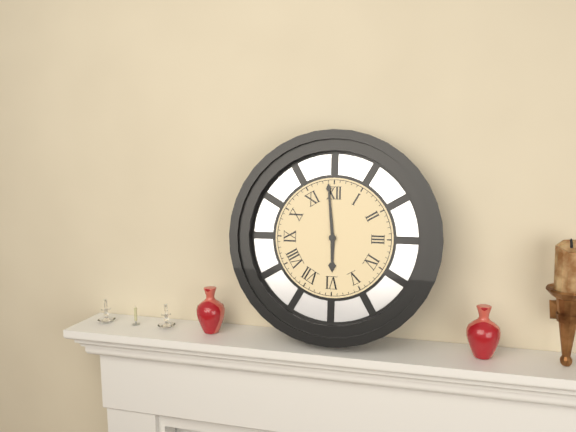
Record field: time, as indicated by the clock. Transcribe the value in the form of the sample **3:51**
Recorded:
**5:59**
